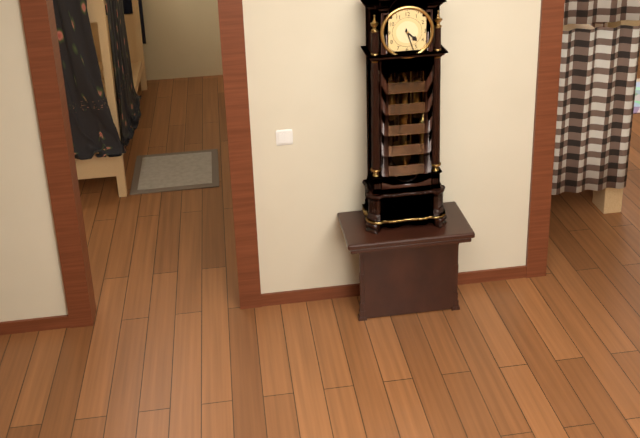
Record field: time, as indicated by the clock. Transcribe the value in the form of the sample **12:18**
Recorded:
**4:27**
